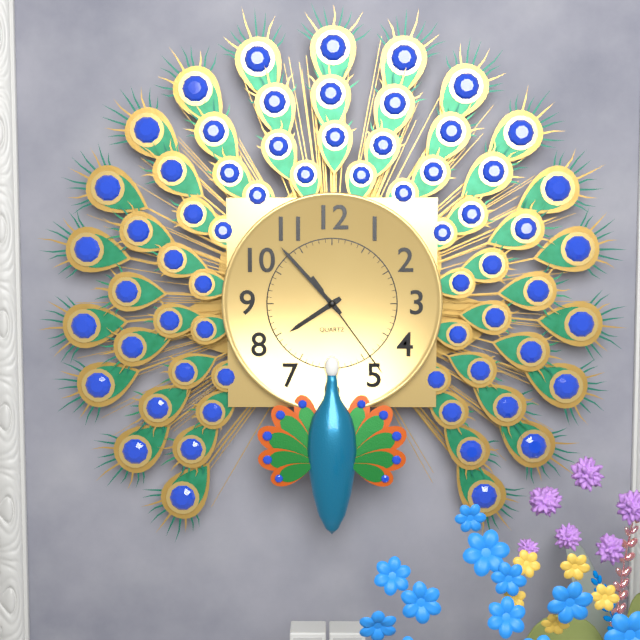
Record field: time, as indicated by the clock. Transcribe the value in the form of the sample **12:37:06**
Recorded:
**7:53:24**
